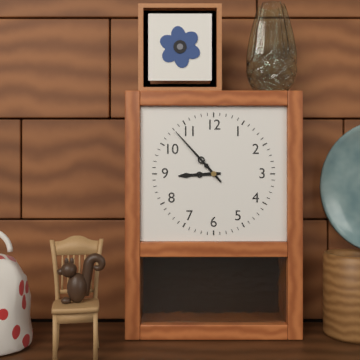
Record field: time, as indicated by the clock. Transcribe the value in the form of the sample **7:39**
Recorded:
**8:53**
